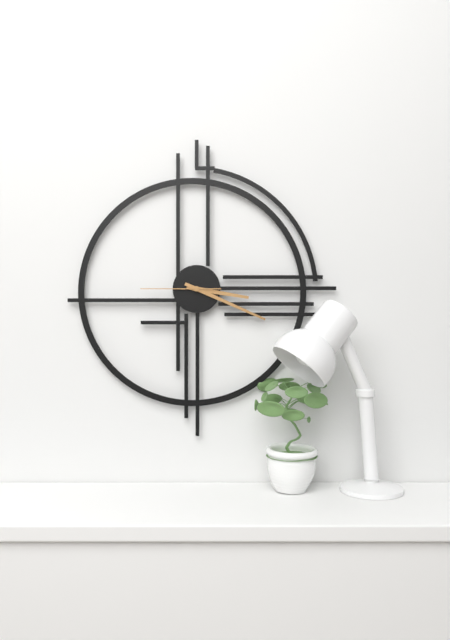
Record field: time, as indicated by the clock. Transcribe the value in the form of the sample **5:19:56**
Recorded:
**3:19:45**
